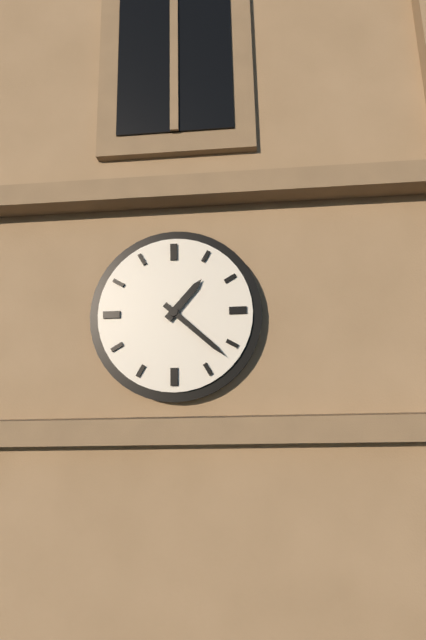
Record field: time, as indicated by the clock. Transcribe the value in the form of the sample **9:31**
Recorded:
**1:22**
